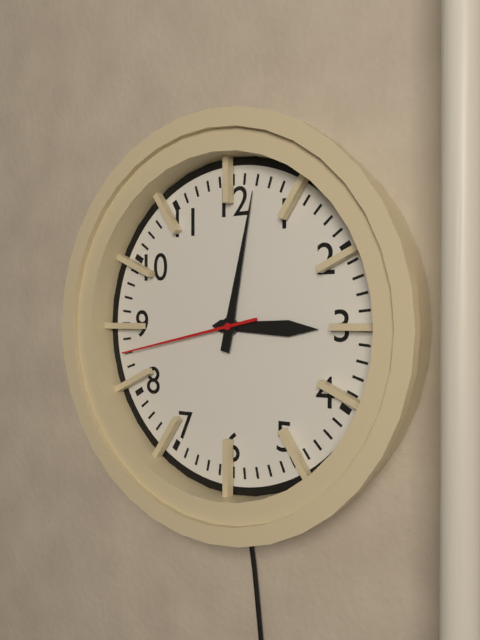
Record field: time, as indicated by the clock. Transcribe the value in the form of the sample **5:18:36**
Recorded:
**3:02:43**
